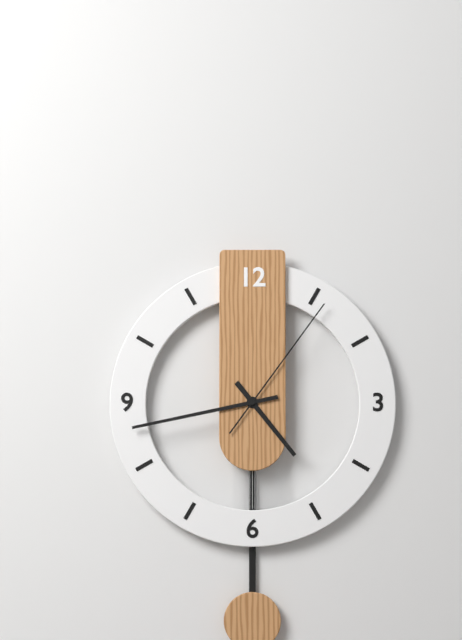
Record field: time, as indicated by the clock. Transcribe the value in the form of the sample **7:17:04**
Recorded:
**4:43:06**
